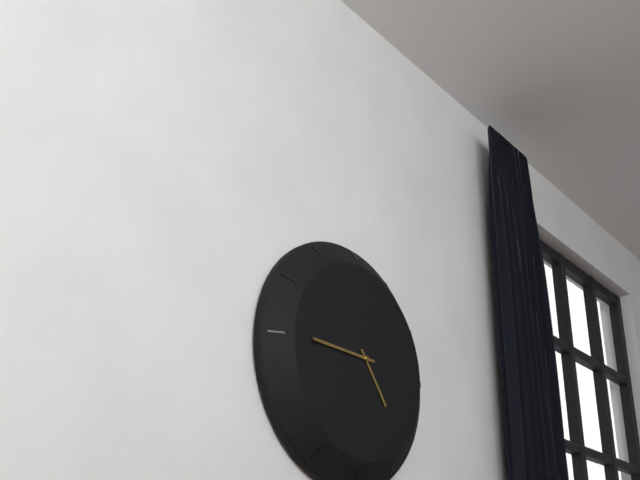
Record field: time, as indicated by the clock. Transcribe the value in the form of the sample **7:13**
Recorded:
**4:45**
